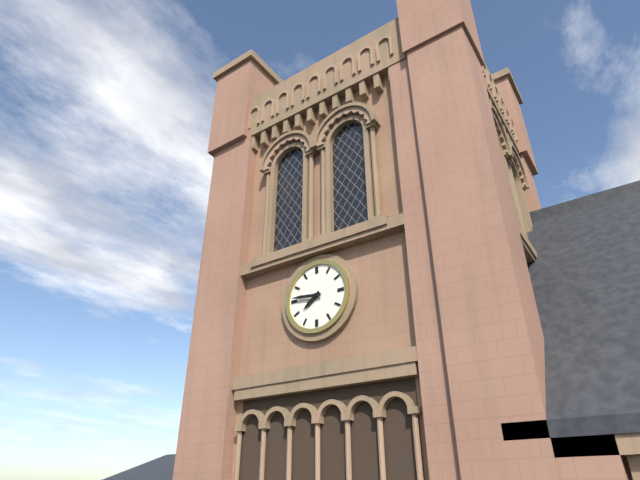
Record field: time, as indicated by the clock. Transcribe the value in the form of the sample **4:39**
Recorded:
**7:46**
